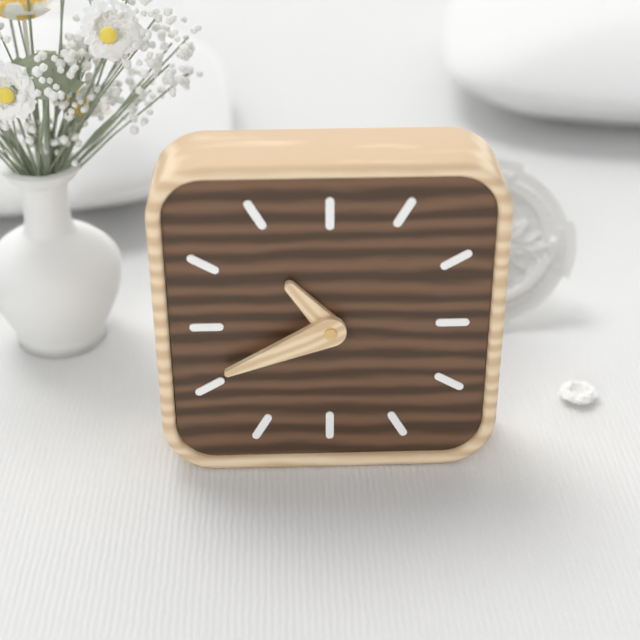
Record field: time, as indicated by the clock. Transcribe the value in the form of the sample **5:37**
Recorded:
**10:41**
